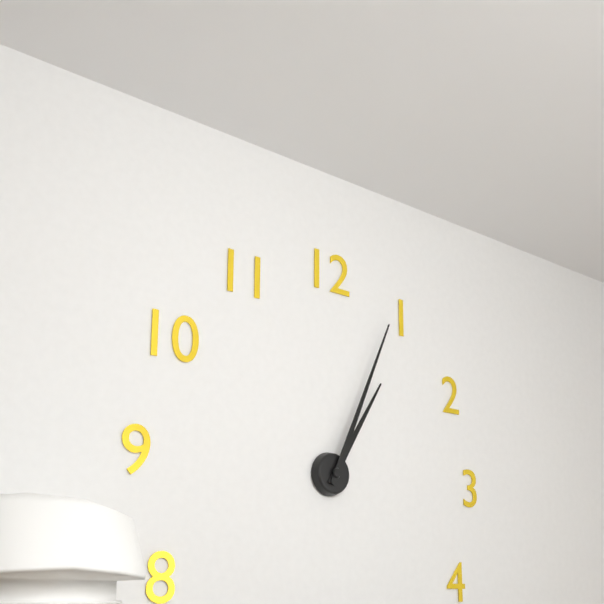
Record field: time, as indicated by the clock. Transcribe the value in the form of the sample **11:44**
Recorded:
**1:04**
